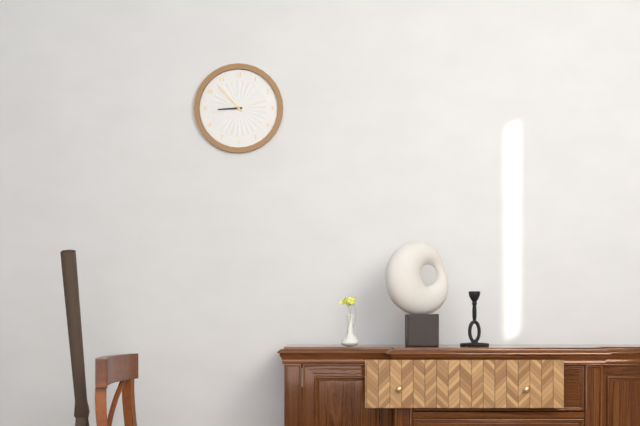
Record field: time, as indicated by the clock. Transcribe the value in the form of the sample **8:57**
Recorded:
**8:53**
